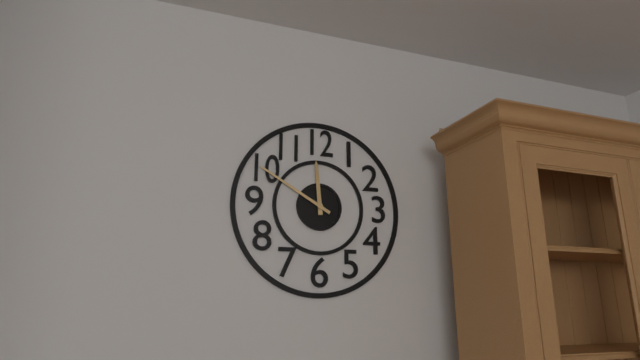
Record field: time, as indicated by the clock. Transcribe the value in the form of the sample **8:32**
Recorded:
**11:50**
